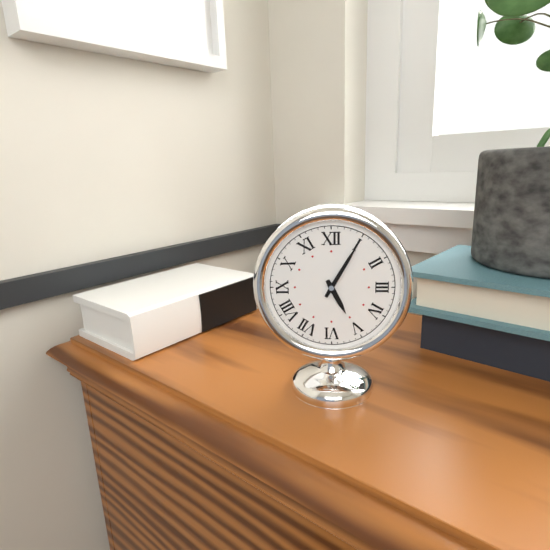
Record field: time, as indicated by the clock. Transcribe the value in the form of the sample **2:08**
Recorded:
**5:05**
